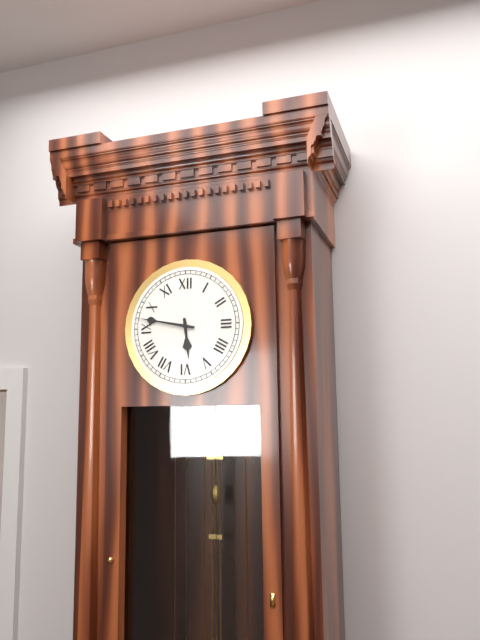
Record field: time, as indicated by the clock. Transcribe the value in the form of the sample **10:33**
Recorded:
**5:47**
